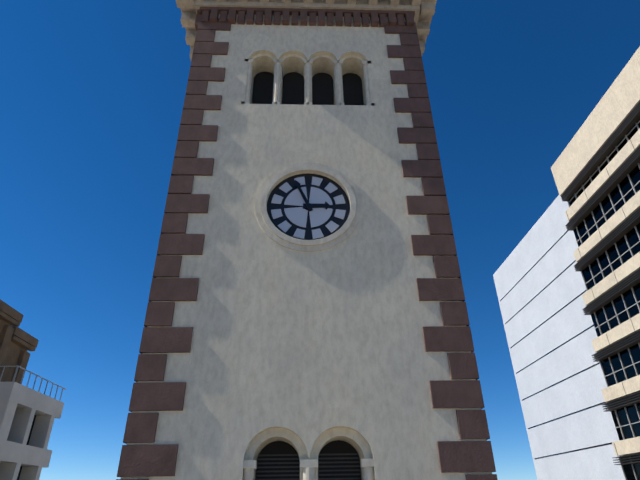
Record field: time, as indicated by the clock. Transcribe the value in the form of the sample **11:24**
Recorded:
**2:56**
